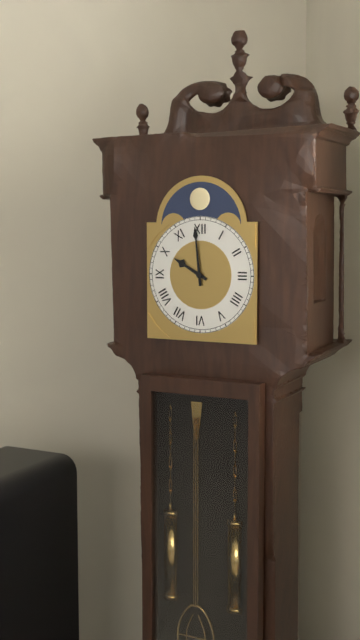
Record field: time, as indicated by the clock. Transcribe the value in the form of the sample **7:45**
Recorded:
**9:59**
